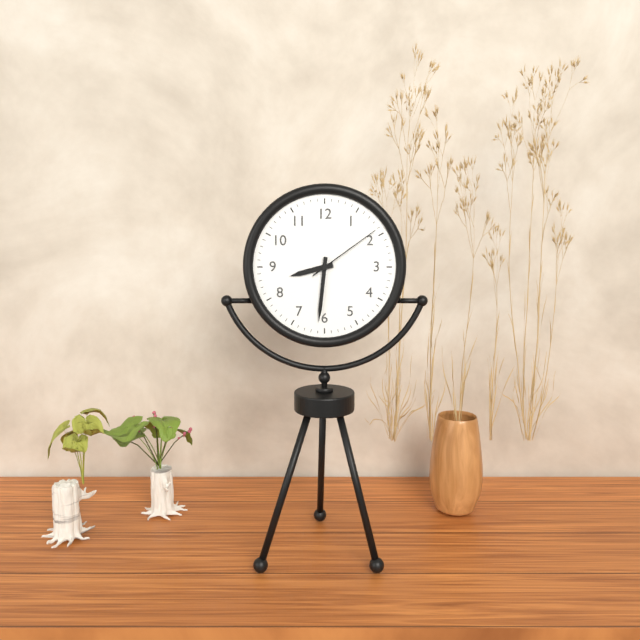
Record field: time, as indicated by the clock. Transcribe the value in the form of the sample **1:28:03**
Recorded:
**8:31:09**
